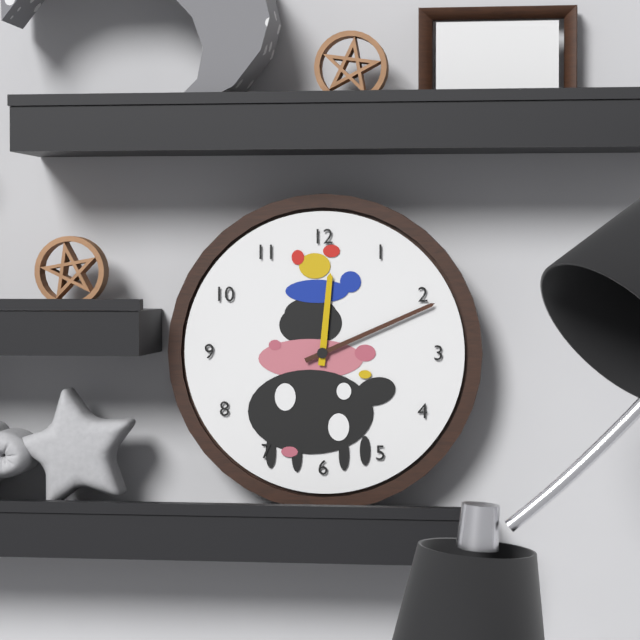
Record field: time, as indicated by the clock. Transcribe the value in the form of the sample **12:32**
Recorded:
**12:11**
